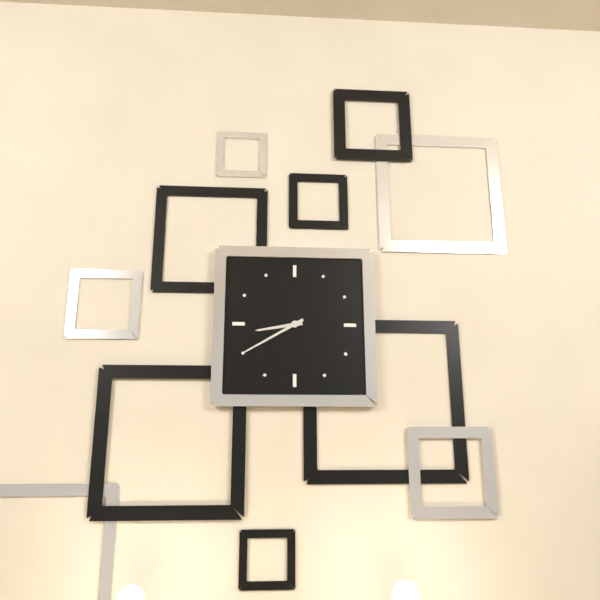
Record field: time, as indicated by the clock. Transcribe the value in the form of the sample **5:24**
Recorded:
**8:40**
